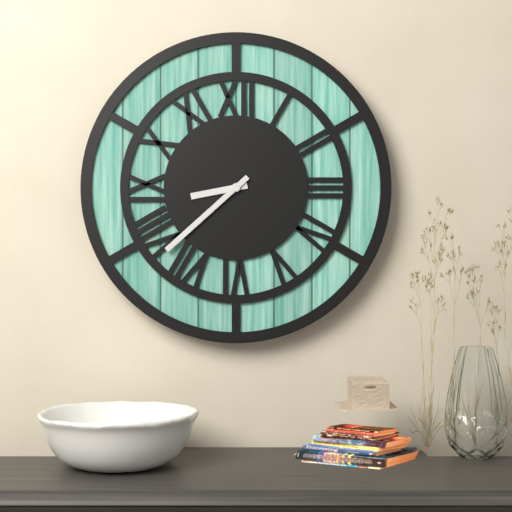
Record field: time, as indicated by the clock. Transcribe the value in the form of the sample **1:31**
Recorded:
**8:38**
